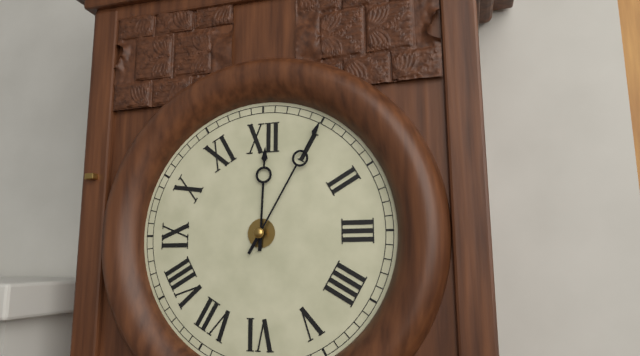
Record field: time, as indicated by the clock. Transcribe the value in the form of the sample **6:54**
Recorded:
**12:05**
